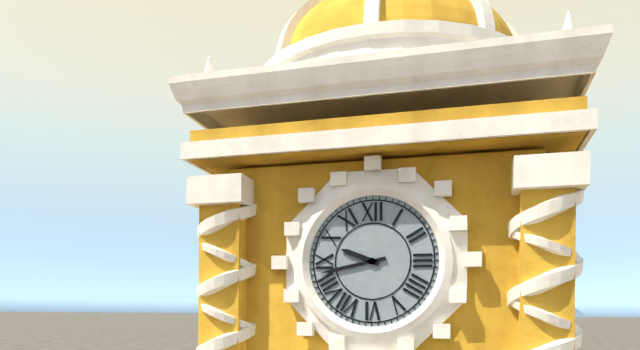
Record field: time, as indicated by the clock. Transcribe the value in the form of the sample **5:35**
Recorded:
**9:43**
